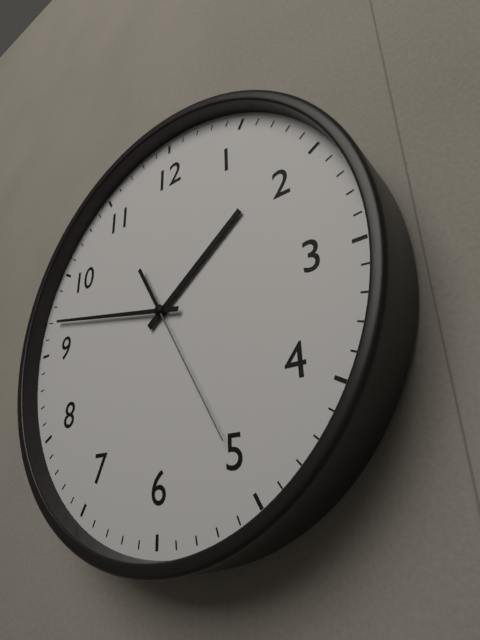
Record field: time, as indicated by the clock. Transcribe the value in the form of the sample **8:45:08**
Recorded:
**1:47:25**
